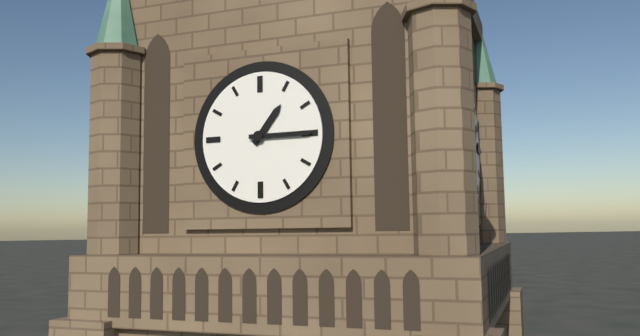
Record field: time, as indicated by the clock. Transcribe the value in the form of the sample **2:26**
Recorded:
**1:15**
